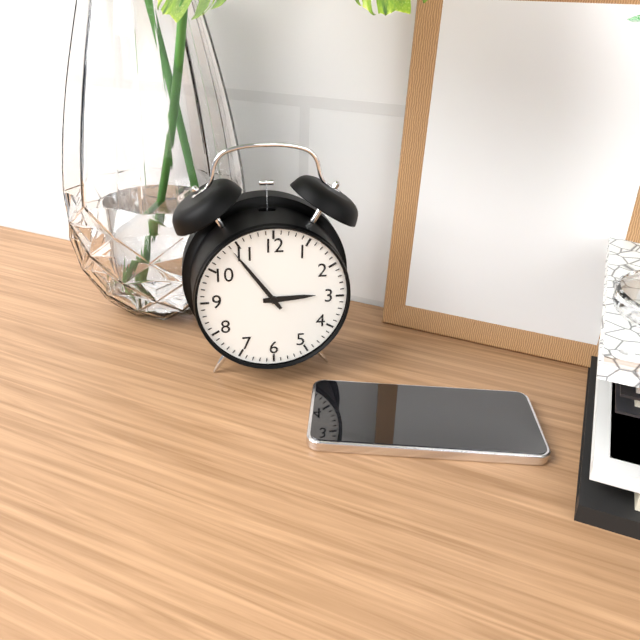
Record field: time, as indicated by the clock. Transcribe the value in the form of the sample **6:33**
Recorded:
**2:54**
